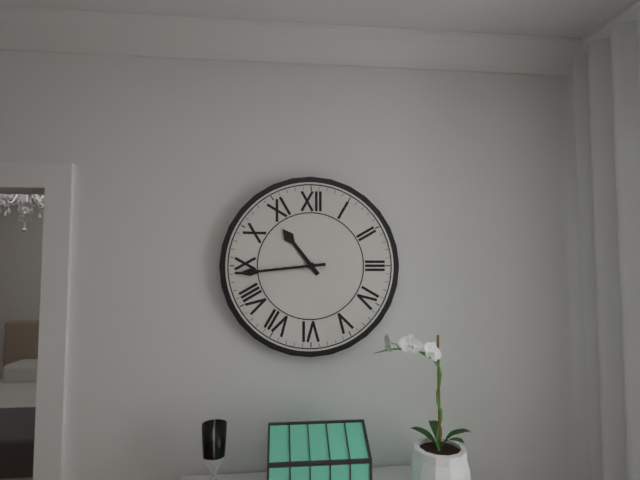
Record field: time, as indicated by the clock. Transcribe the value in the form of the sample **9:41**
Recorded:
**10:44**
